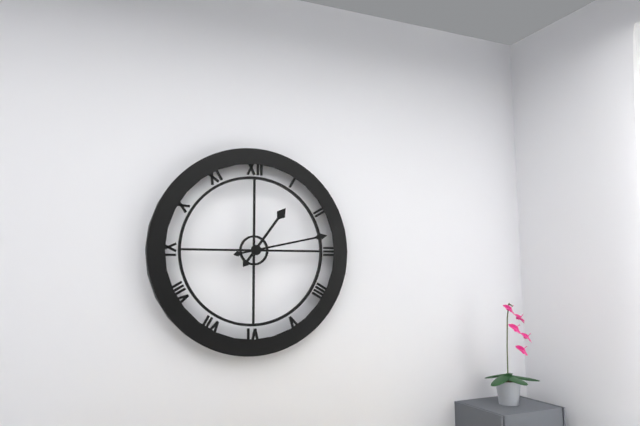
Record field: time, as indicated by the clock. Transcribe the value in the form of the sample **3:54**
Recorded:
**1:13**
